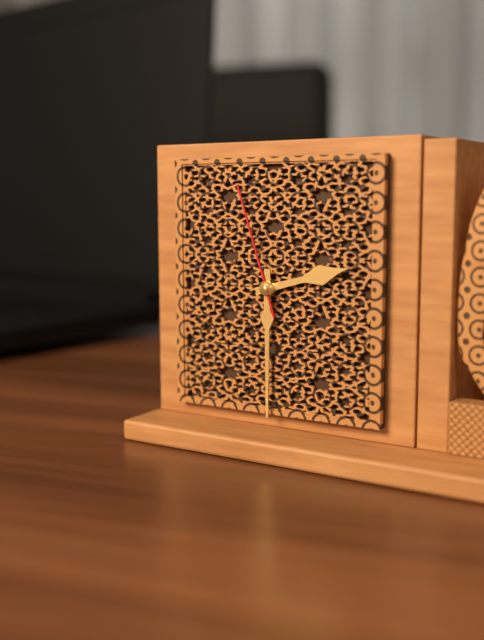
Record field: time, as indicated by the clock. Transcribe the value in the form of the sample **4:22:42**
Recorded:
**2:30:57**
